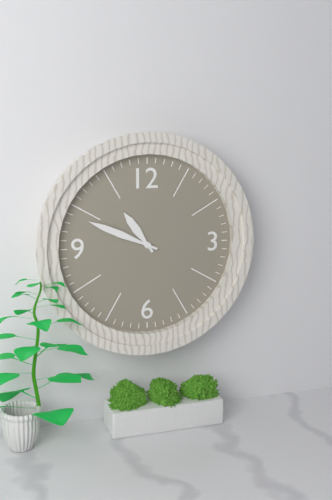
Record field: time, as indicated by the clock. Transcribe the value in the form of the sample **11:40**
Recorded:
**10:49**
